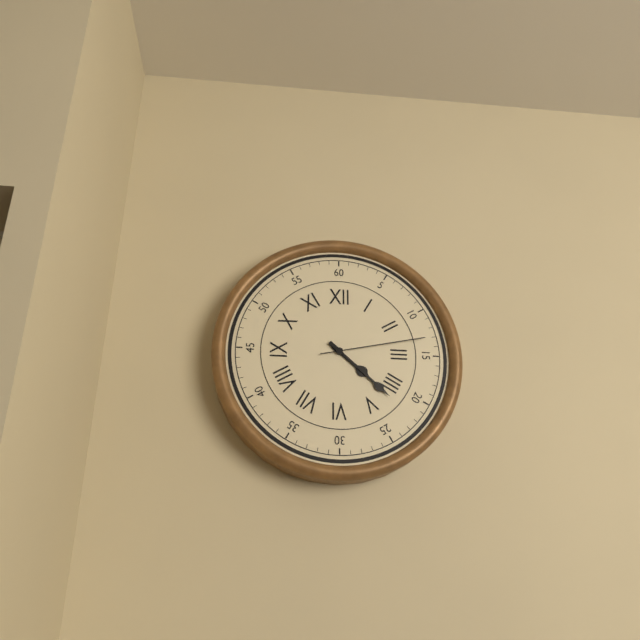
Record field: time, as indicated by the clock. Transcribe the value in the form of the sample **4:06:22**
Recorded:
**4:22:13**
